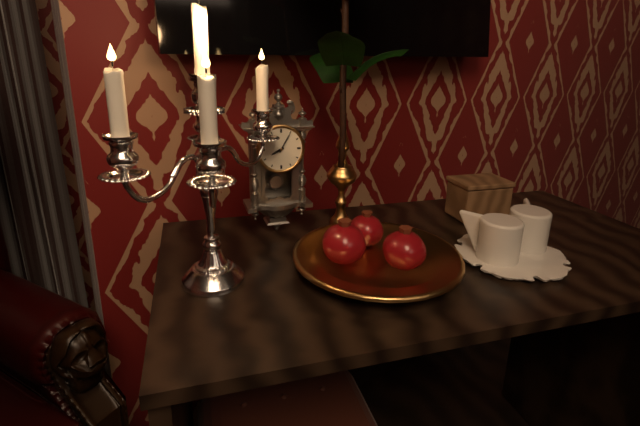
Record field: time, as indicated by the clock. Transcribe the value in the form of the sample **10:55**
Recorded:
**8:05**
